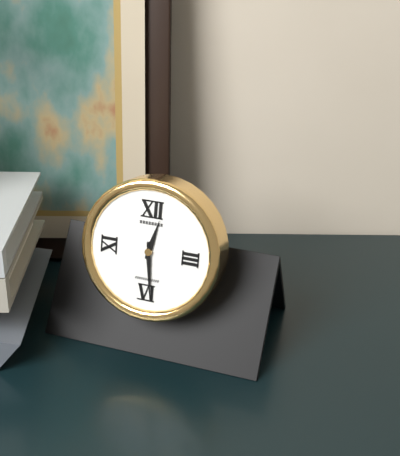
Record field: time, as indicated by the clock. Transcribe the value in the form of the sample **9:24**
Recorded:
**12:29**
